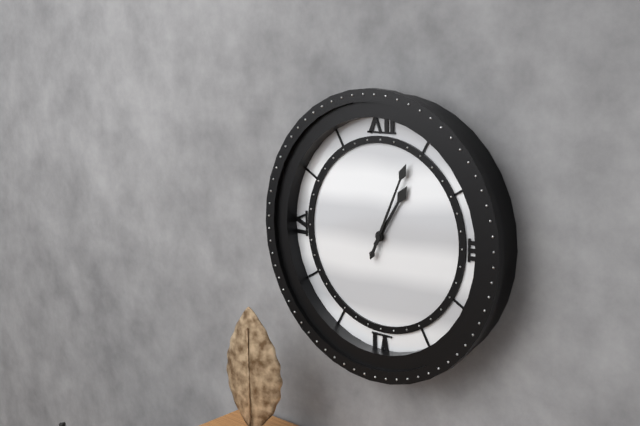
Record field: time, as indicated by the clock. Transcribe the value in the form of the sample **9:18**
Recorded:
**1:04**
